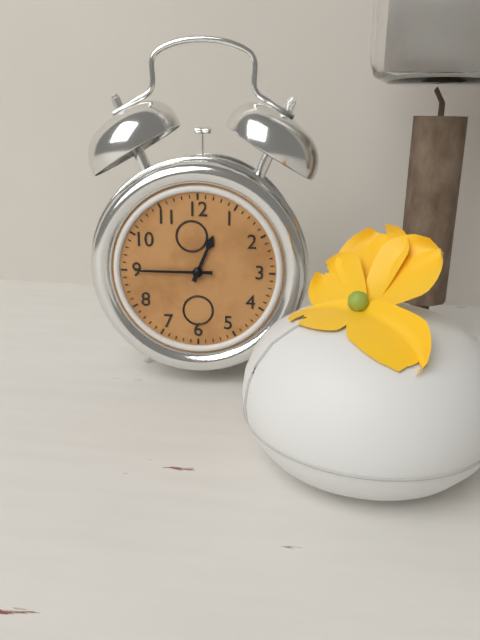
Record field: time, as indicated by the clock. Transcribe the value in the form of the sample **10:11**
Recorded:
**12:45**
